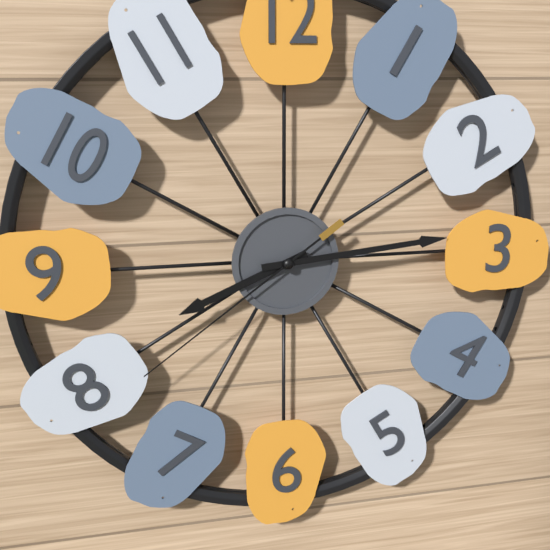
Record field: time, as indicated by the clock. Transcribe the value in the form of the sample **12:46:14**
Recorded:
**8:14:39**
